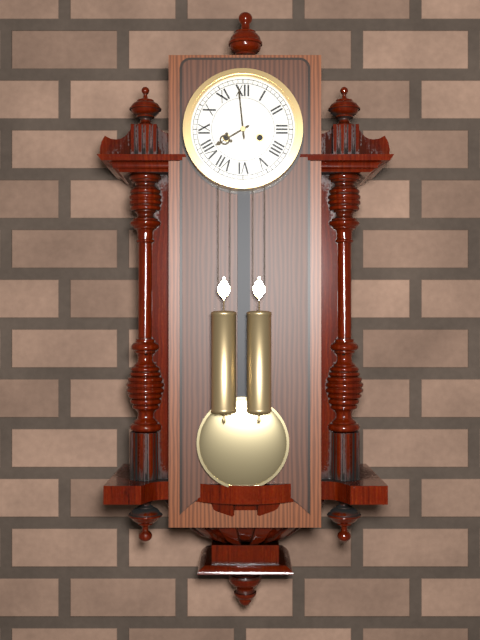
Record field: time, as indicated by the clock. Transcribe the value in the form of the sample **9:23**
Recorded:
**7:59**
